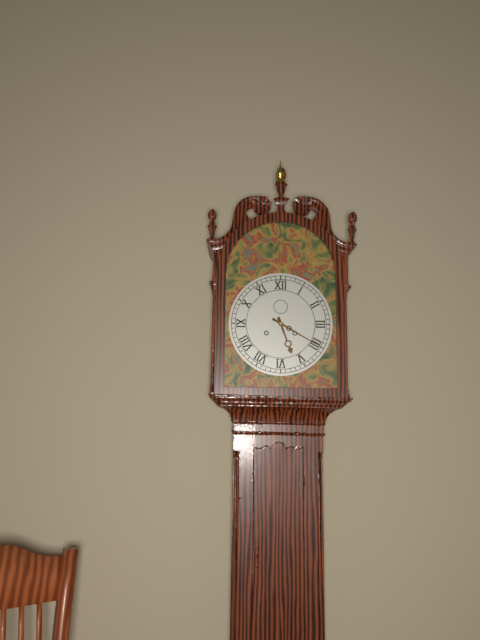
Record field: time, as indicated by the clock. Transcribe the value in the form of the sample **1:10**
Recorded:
**5:20**
